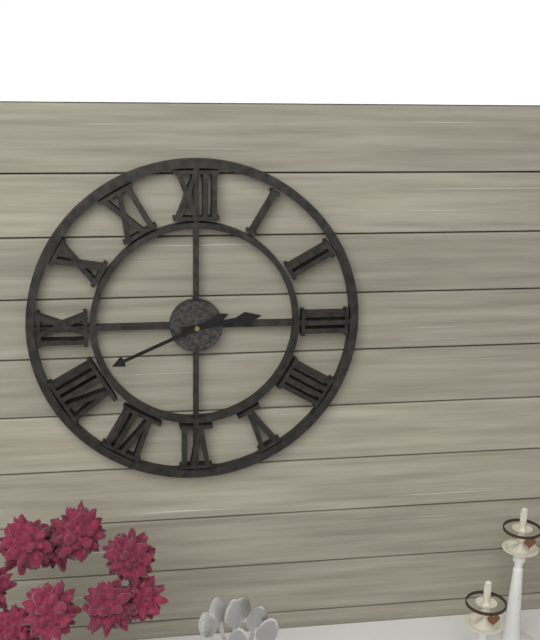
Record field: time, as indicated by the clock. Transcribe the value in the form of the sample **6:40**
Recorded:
**2:41**
